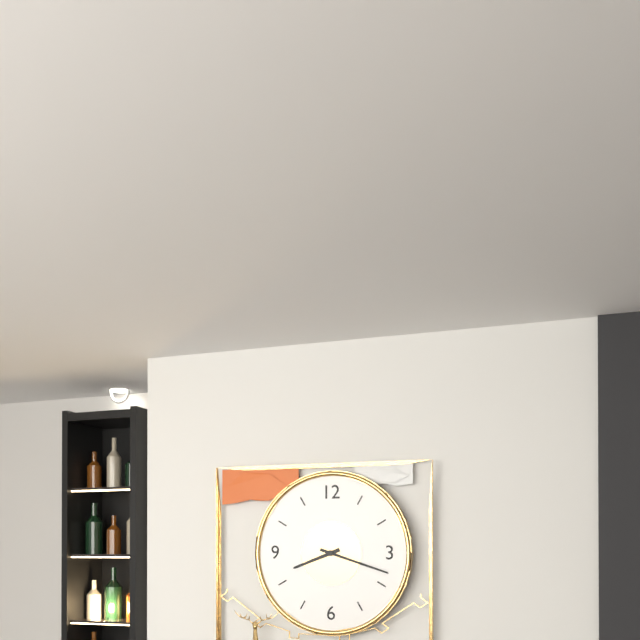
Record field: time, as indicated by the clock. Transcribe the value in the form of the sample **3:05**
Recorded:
**8:18**
